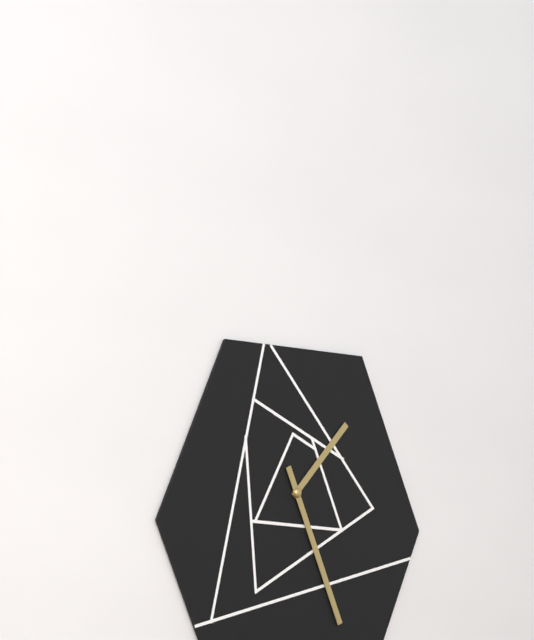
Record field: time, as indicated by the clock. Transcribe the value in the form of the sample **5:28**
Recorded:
**1:26**
